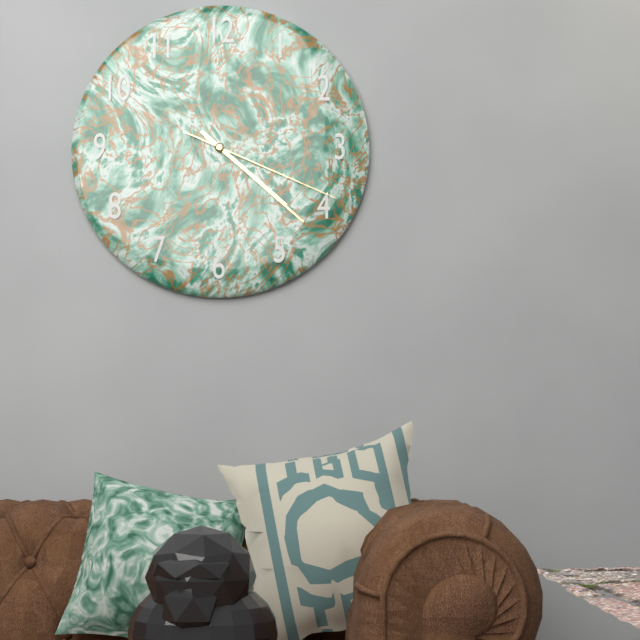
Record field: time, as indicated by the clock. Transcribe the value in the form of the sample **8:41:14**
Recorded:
**4:22:19**
